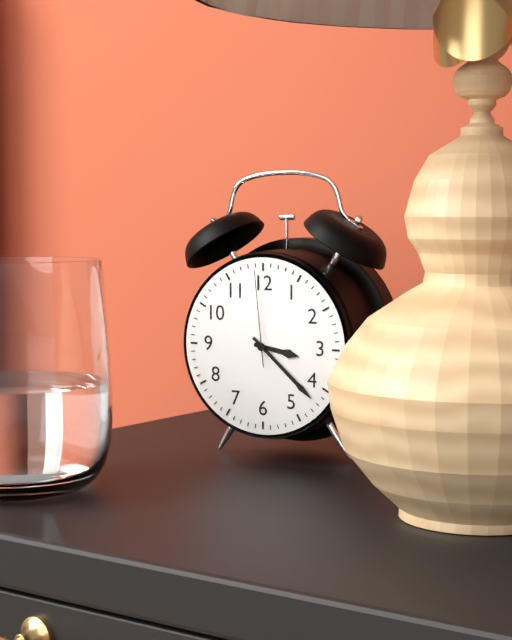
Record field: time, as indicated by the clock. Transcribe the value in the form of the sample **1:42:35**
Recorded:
**3:22:59**
